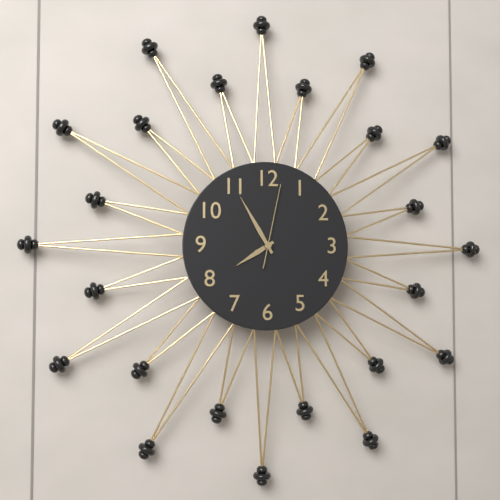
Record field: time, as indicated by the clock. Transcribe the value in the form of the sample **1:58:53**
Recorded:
**7:55:02**
